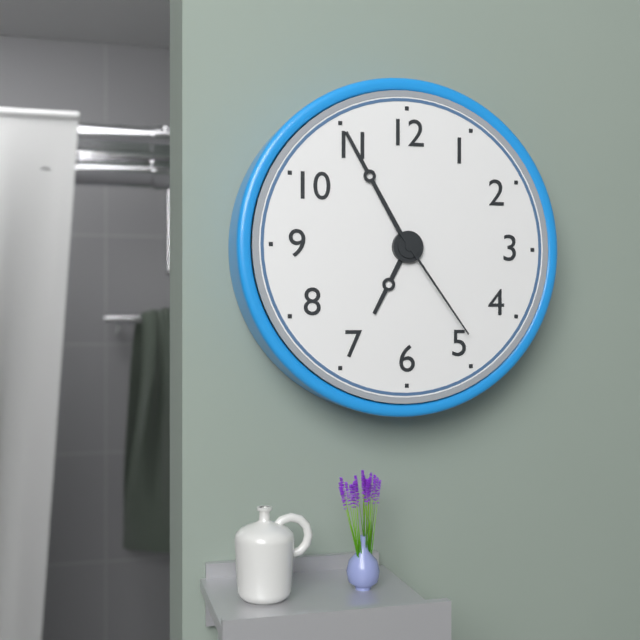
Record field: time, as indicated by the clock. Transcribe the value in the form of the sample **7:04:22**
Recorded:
**6:55:24**
